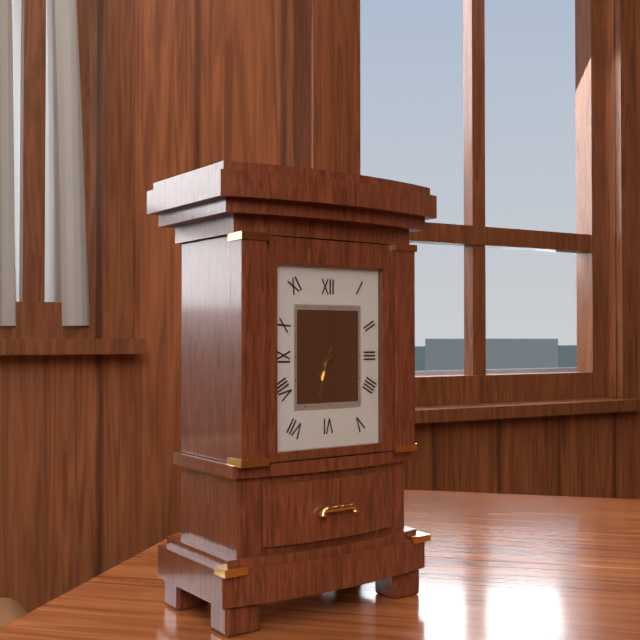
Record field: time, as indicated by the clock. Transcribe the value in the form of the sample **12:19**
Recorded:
**6:33**
